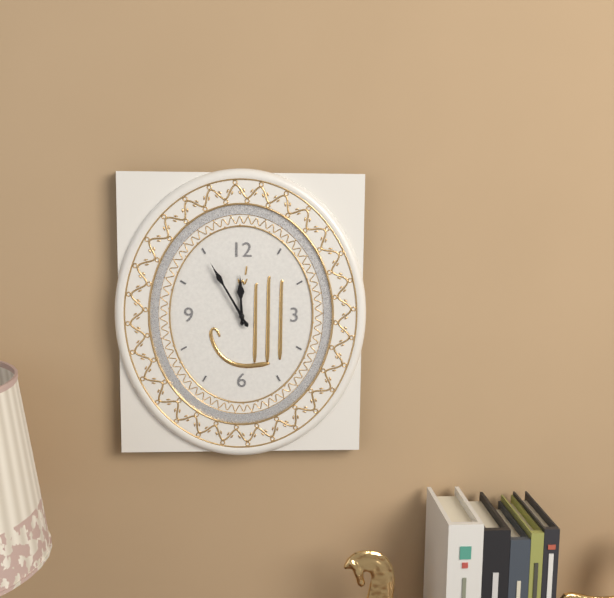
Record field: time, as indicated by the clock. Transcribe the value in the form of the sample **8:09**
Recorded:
**11:55**
